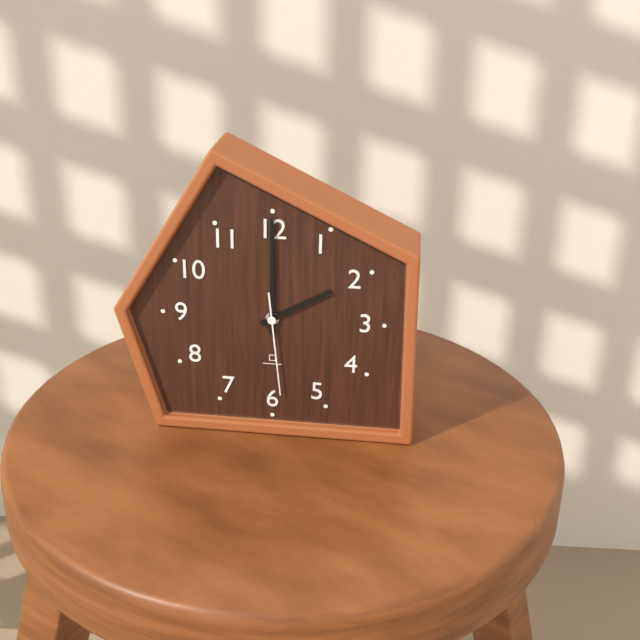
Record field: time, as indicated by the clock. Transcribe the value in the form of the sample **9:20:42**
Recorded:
**2:00:29**
